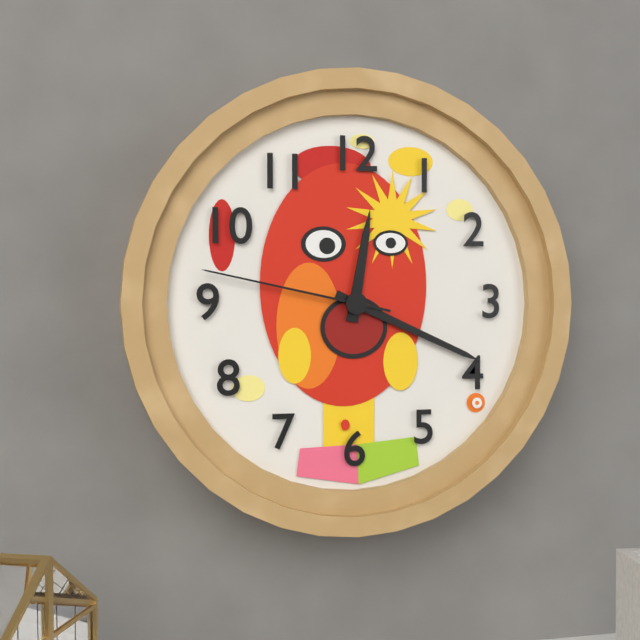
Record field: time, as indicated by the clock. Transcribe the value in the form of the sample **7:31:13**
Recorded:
**12:19:47**
